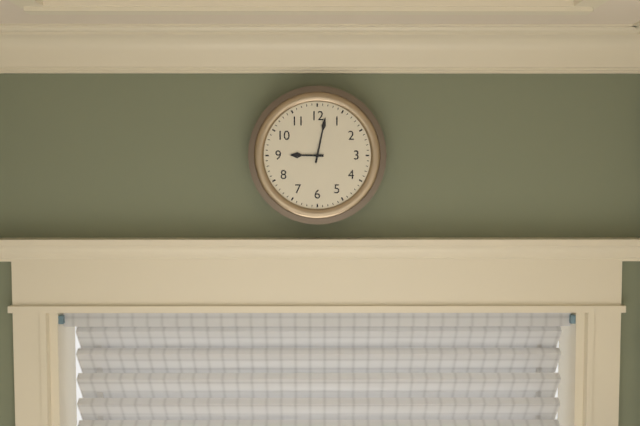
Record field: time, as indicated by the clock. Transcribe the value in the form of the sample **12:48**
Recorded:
**9:02**
